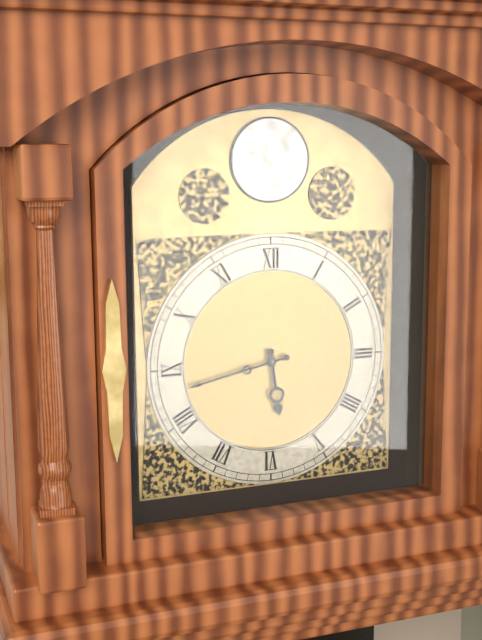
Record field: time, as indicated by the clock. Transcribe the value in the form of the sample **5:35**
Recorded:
**5:43**
